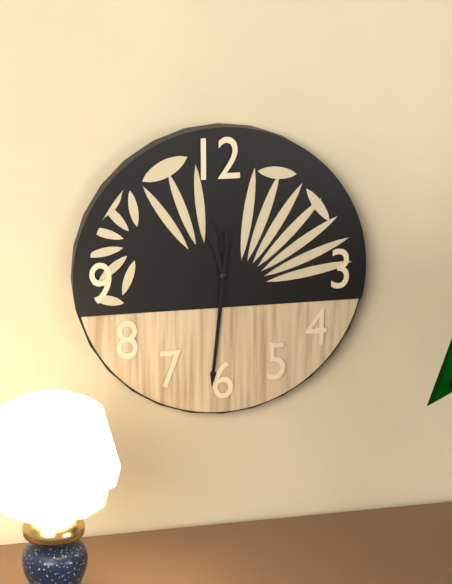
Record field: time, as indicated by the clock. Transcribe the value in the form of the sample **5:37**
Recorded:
**11:31**
